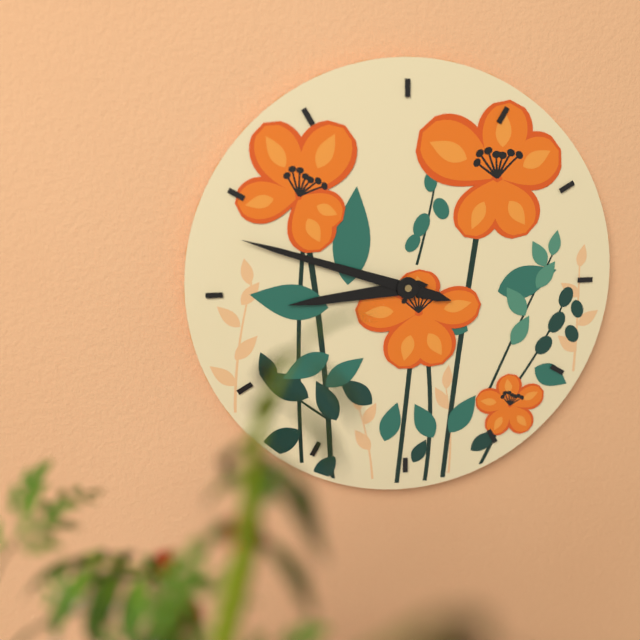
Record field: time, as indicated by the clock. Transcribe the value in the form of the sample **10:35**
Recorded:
**8:48**
